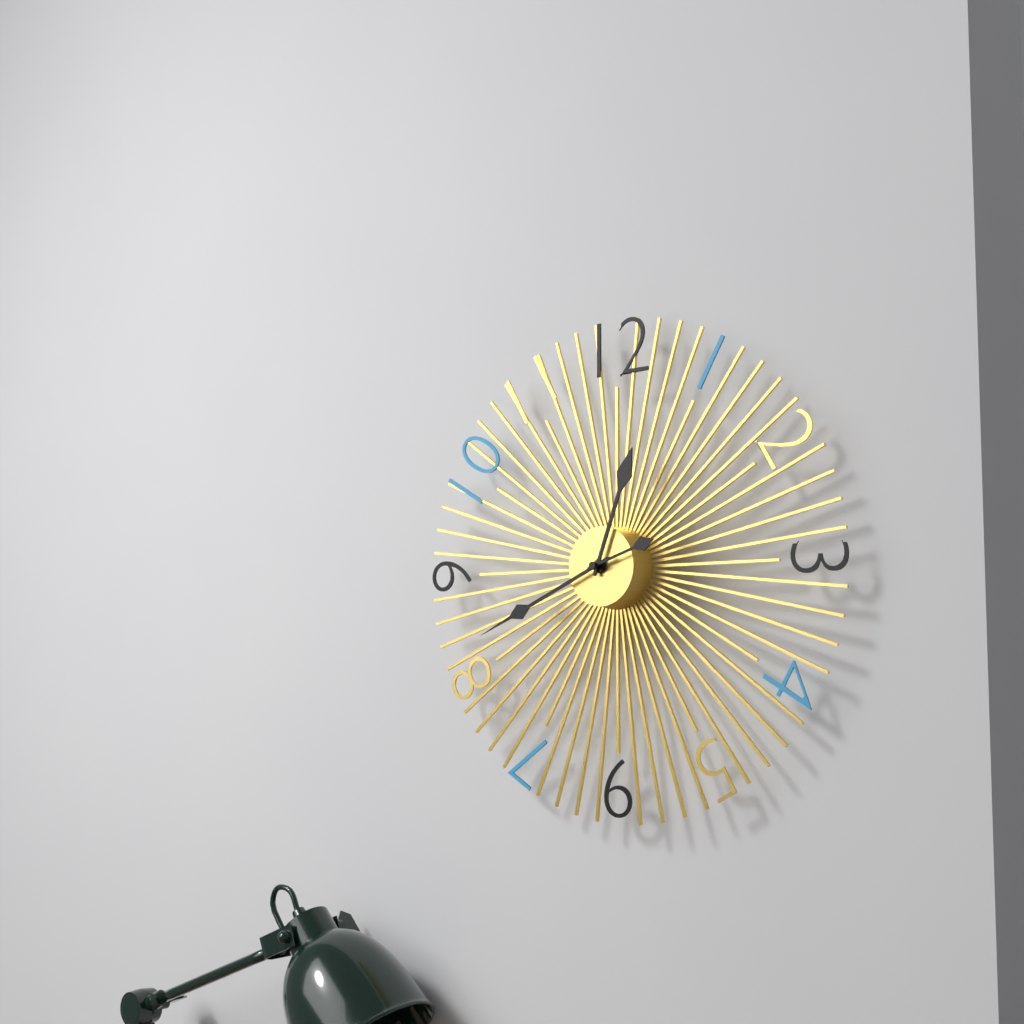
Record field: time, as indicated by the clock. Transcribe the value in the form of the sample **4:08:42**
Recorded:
**12:41:12**
